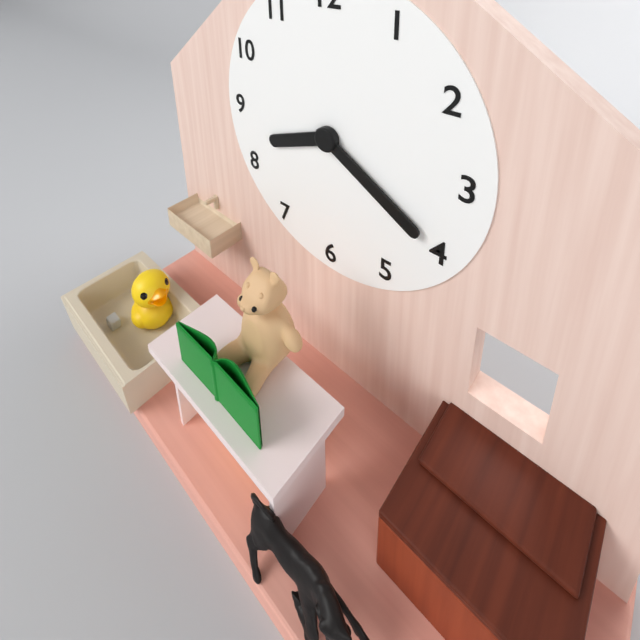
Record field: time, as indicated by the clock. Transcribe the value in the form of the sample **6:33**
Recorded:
**8:20**
